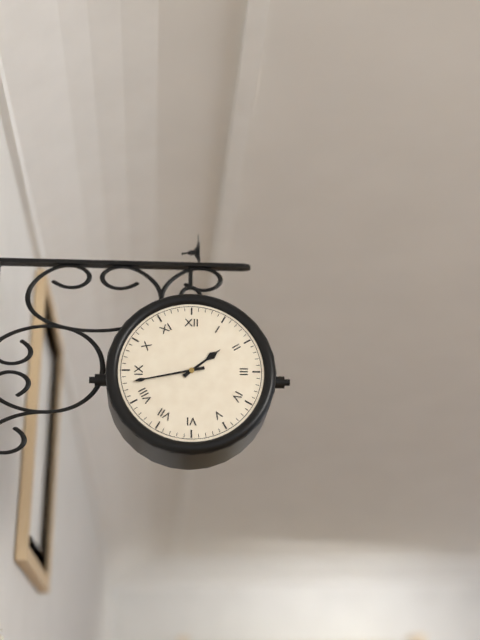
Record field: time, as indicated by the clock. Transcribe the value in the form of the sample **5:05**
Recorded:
**1:43**
